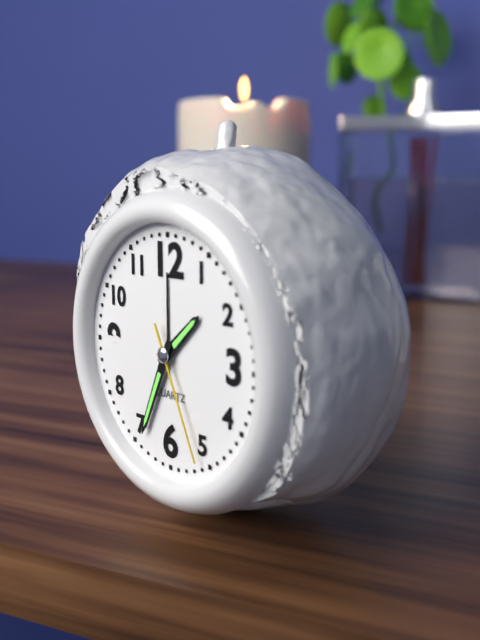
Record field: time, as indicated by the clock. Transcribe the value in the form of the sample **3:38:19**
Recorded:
**1:34:26**
